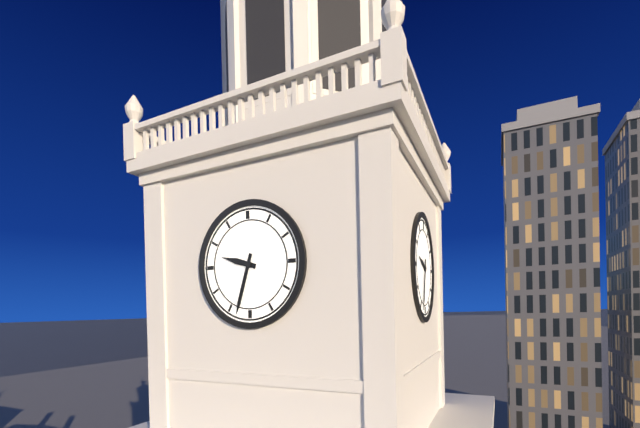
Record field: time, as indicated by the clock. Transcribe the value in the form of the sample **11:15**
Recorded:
**9:33**
